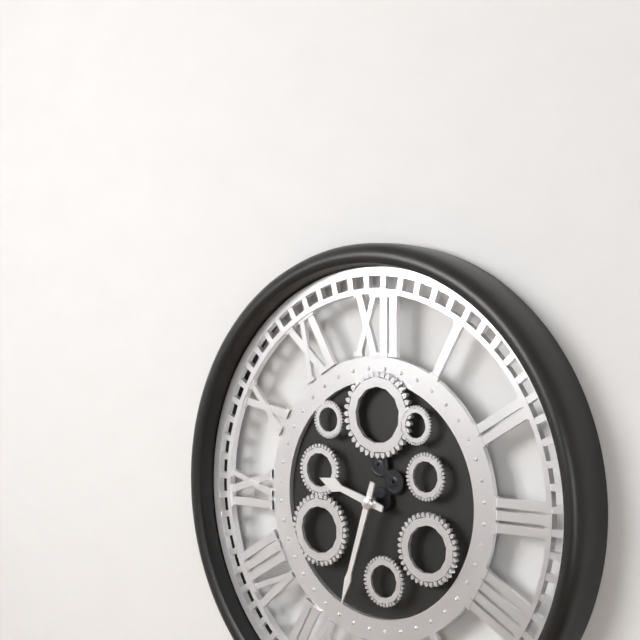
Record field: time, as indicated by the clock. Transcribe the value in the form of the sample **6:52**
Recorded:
**9:33**
